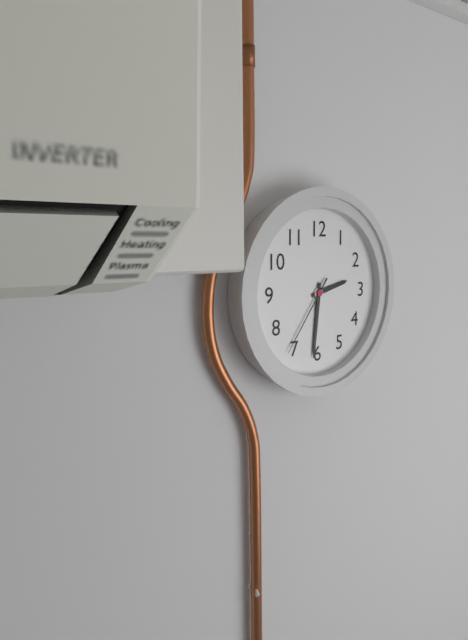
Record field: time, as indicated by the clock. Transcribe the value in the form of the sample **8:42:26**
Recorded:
**2:31:36**
